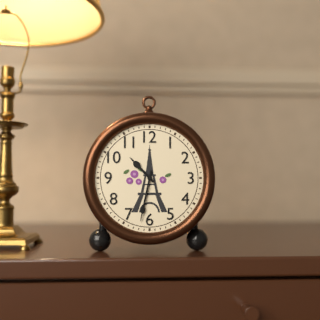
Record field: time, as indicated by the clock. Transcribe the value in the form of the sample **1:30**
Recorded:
**10:32**
